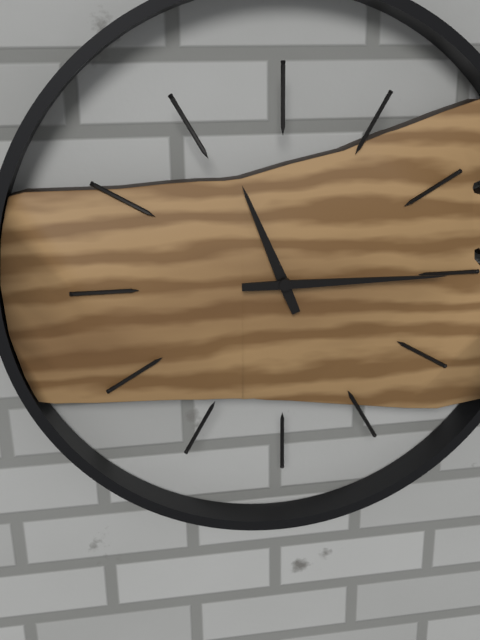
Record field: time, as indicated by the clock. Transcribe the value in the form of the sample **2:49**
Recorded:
**11:15**
